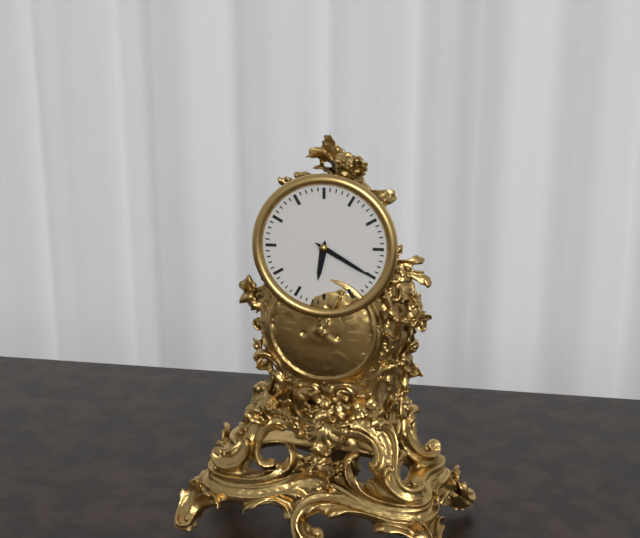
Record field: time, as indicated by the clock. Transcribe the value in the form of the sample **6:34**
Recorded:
**6:20**
